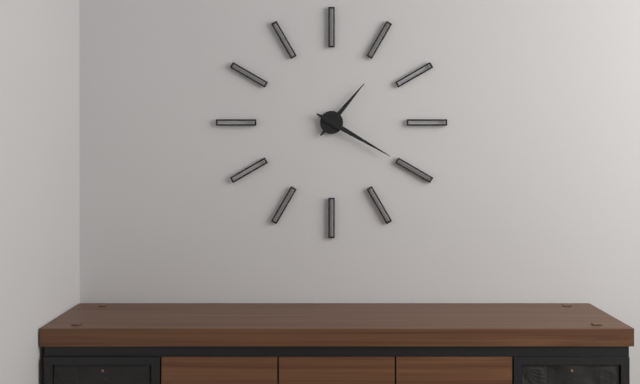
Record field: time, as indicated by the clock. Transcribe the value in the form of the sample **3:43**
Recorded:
**1:20**
